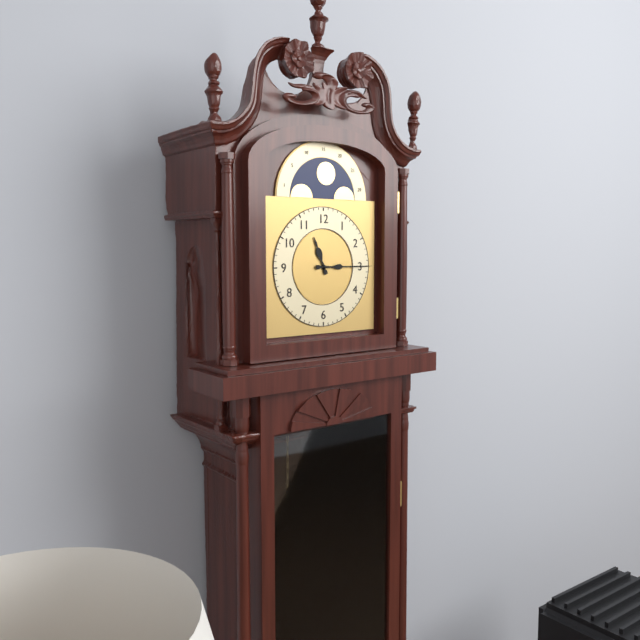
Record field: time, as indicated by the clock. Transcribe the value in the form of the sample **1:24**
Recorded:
**11:15**
